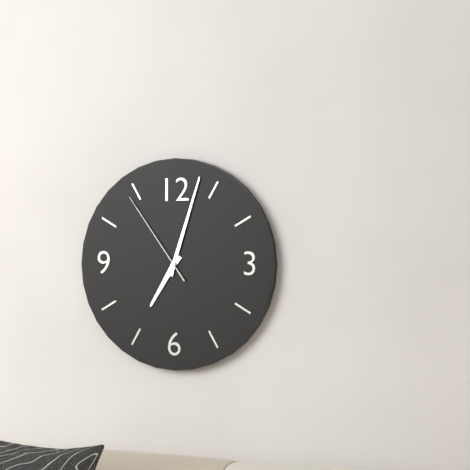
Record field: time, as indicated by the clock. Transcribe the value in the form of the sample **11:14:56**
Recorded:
**7:03:54**
